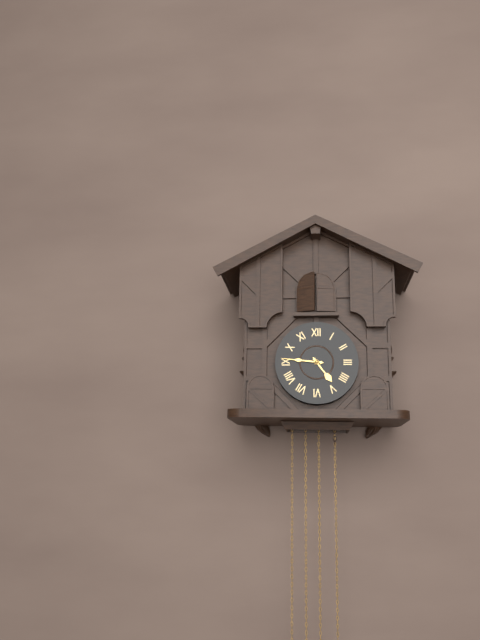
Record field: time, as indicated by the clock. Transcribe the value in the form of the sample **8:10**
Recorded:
**4:46**
